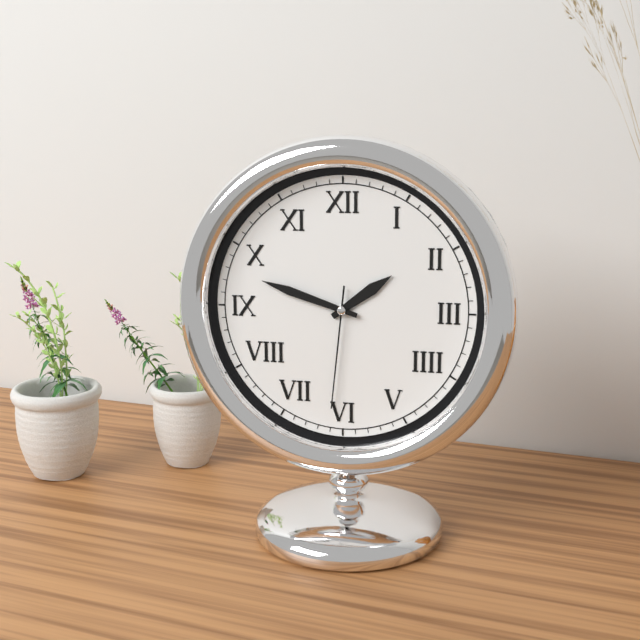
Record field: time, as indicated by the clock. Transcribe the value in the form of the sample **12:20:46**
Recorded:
**1:48:31**
